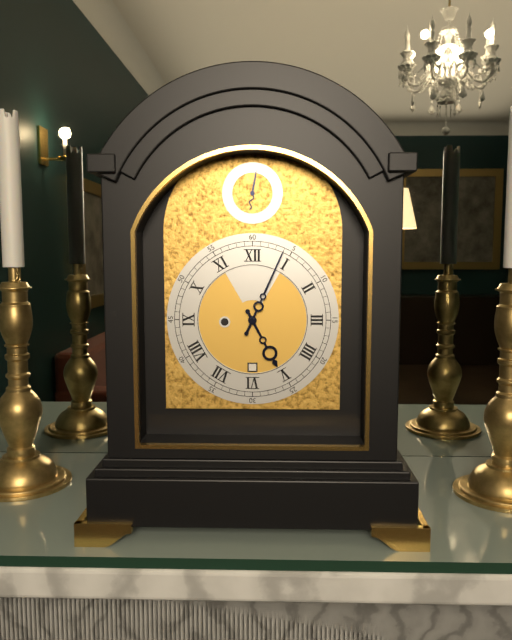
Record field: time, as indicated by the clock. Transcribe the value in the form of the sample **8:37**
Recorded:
**5:04**
